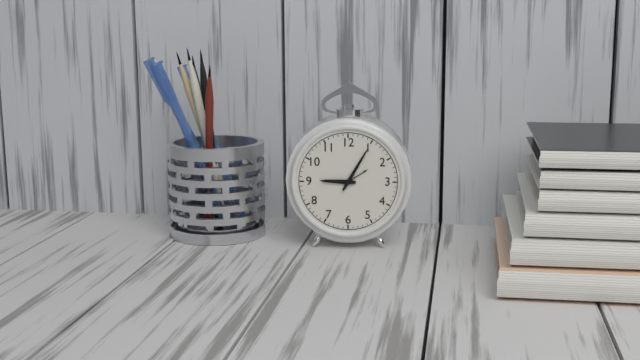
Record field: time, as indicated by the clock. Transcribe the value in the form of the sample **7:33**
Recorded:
**9:05**
